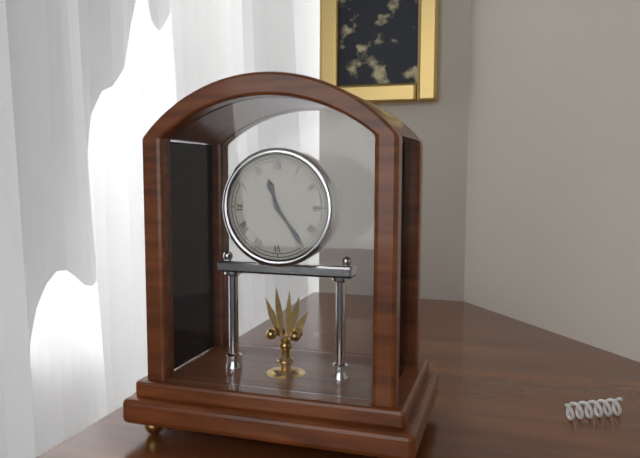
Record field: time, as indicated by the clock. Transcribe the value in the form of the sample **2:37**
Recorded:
**11:24**
